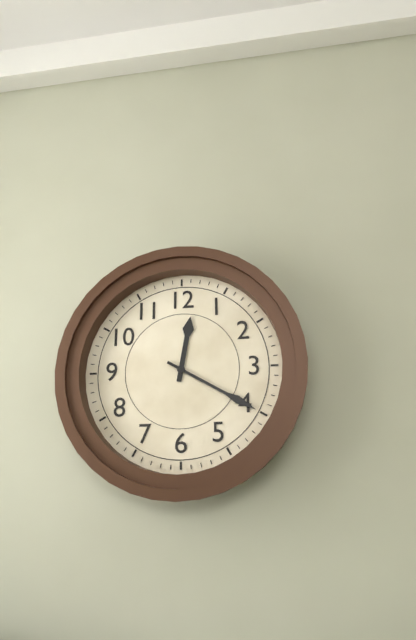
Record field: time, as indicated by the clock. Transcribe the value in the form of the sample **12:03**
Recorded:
**12:20**
